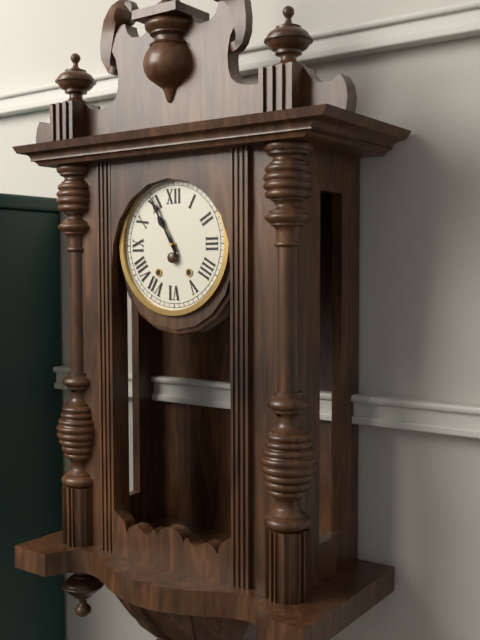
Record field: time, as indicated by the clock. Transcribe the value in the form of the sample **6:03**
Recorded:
**10:55**
